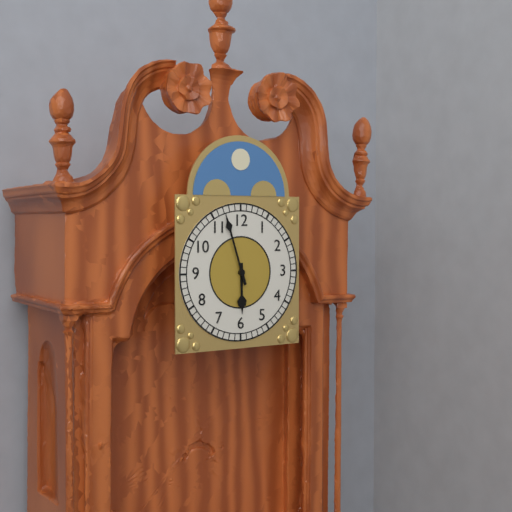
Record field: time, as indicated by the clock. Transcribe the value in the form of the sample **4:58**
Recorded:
**5:57**
